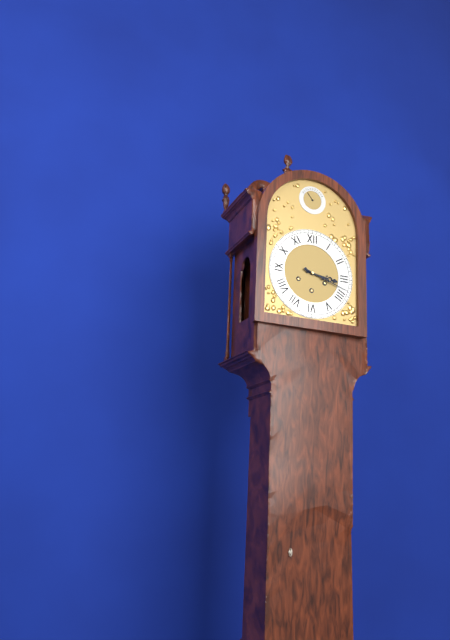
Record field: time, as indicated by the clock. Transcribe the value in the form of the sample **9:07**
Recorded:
**3:18**
